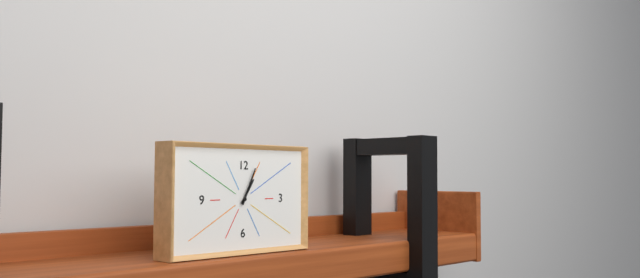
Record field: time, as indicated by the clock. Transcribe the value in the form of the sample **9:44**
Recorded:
**1:04**
